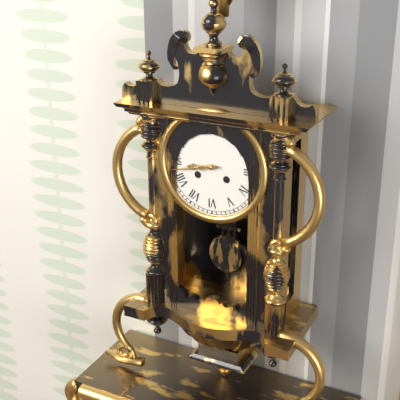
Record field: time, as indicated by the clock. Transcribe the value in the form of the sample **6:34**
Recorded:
**8:43**
